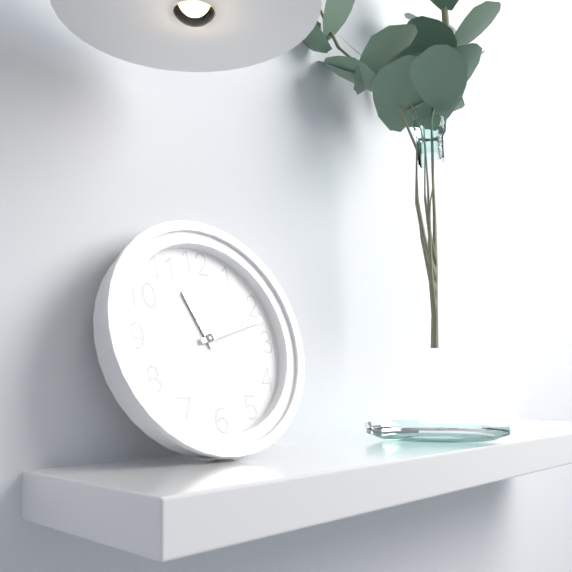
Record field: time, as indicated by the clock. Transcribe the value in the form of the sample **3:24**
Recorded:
**11:12**
